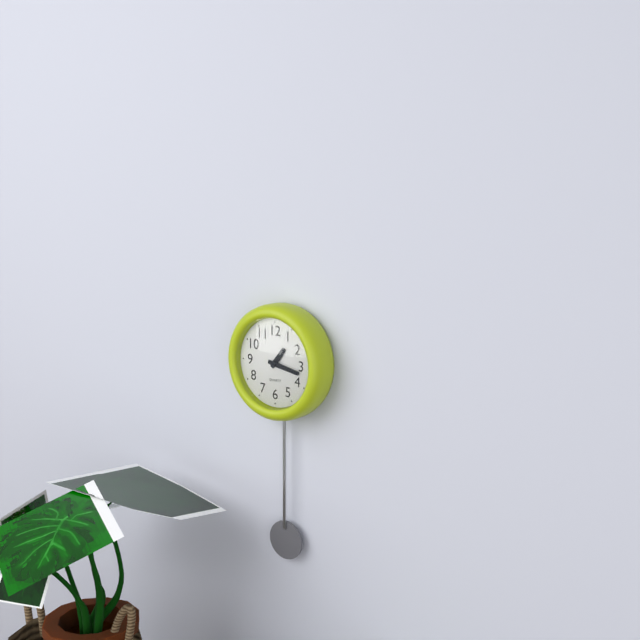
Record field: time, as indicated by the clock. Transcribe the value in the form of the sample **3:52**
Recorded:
**1:17**
